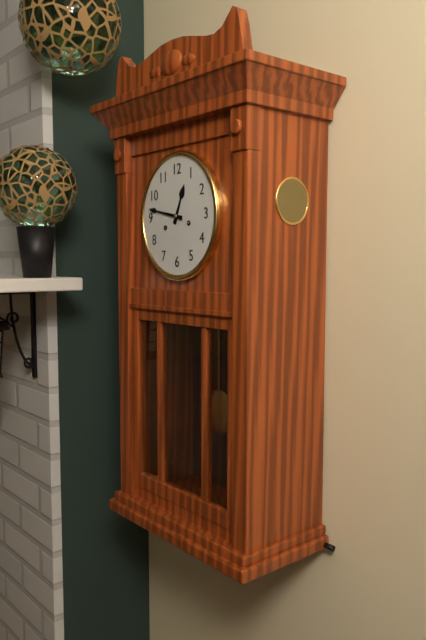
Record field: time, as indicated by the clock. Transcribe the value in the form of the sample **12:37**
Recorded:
**12:47**
